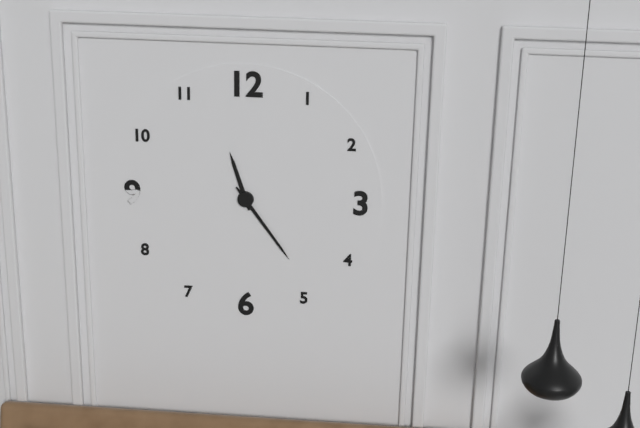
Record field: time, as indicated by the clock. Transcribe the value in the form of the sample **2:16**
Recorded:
**11:24**
